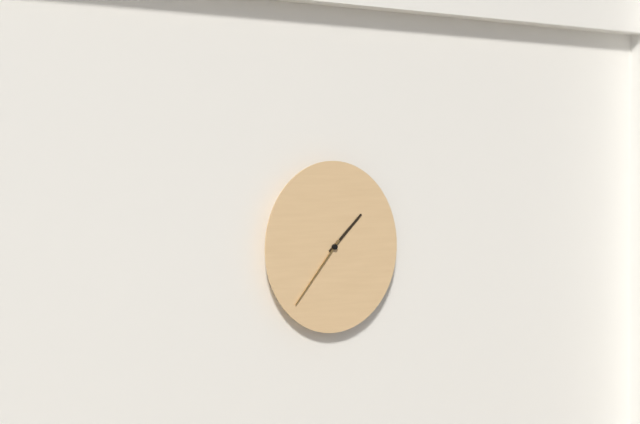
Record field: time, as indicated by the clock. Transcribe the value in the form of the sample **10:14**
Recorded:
**1:37**
